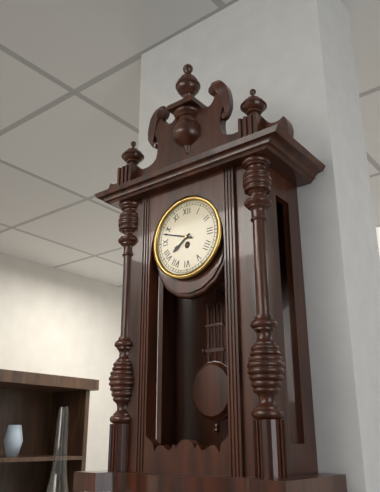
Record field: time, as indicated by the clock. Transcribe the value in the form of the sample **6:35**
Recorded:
**7:48**
